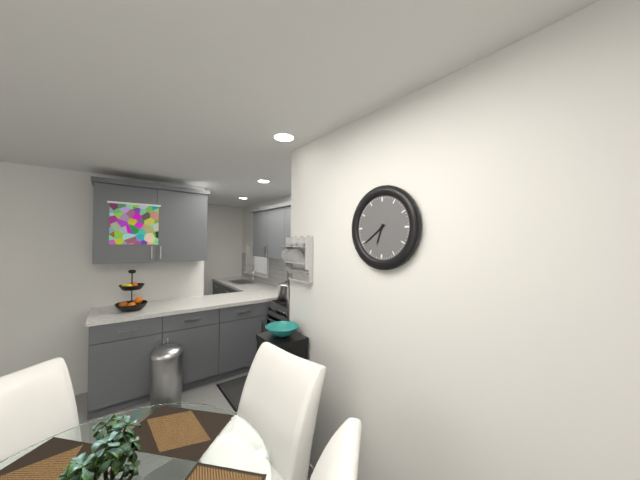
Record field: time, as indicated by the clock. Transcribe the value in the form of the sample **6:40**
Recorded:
**6:39**
